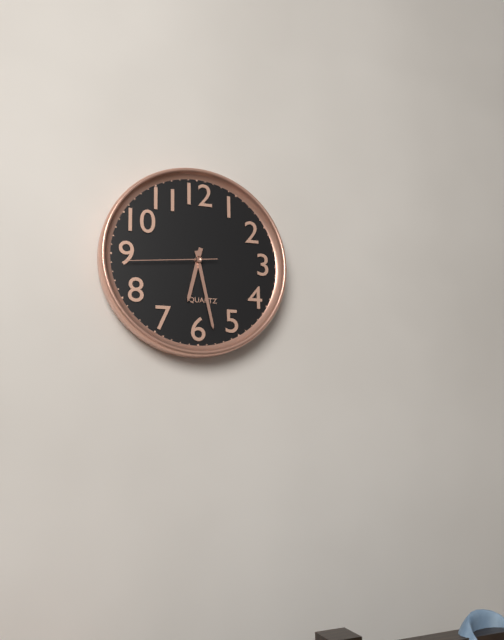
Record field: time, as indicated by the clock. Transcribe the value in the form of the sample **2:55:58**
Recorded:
**6:28:44**
